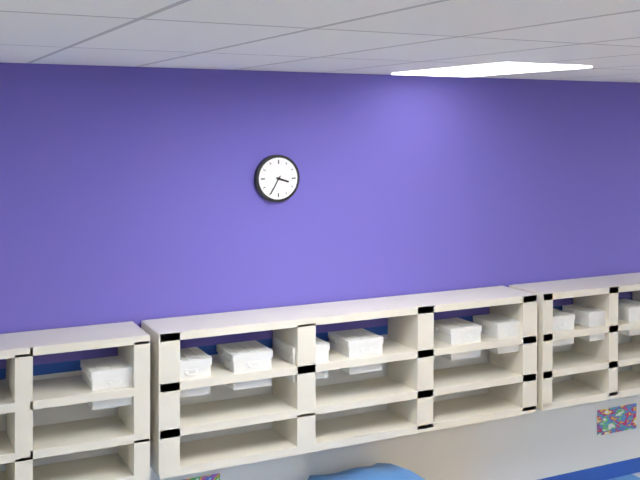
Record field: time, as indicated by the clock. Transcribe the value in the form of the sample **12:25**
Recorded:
**3:35**
